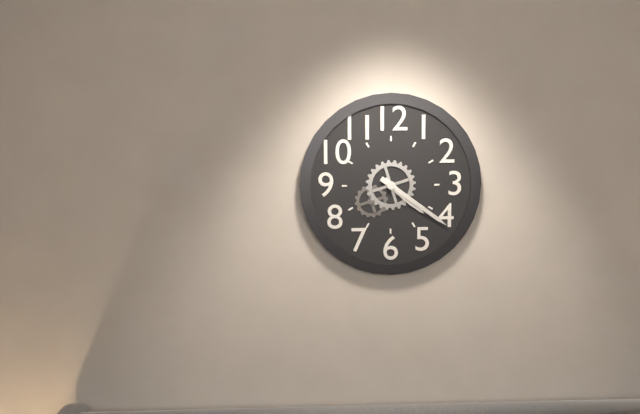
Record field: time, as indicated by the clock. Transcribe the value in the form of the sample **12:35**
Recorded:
**4:21**
